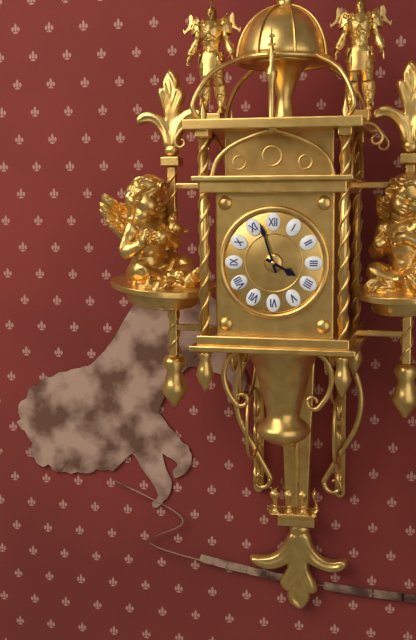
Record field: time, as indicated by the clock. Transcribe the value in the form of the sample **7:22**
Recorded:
**3:57**
